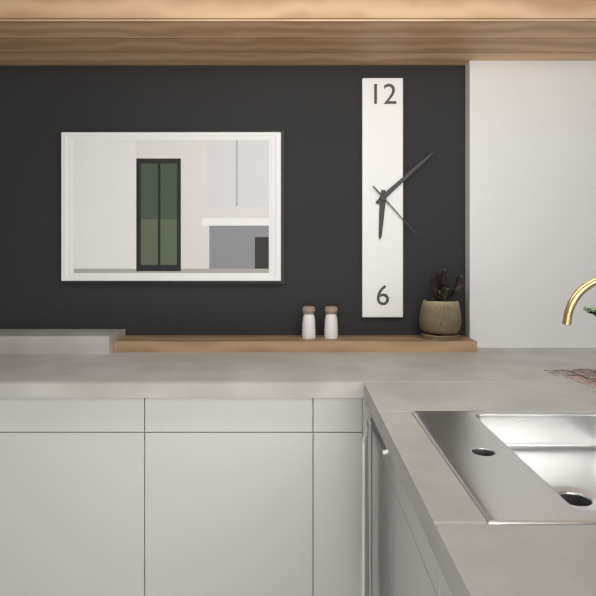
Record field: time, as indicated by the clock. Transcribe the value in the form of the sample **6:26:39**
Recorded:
**6:08:23**
